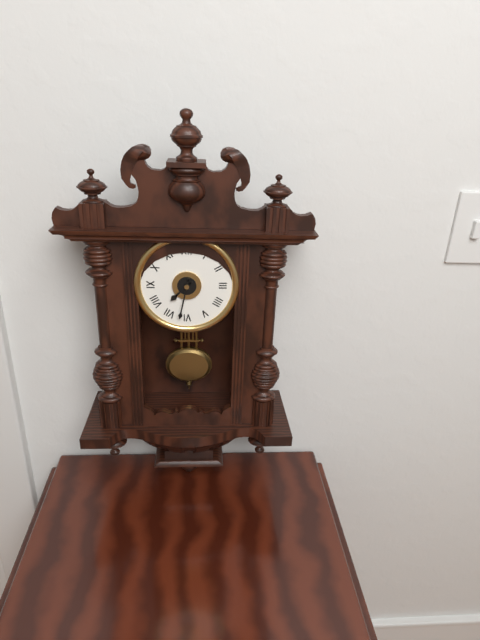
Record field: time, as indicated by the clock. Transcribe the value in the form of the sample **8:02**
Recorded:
**7:32**
